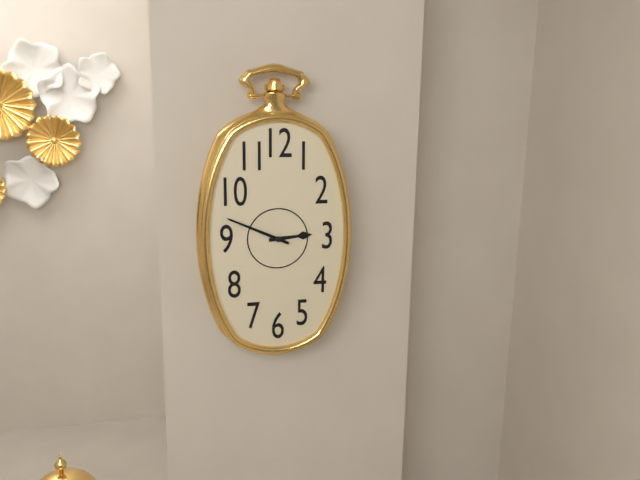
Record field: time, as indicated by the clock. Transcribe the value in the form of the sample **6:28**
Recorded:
**2:49**
